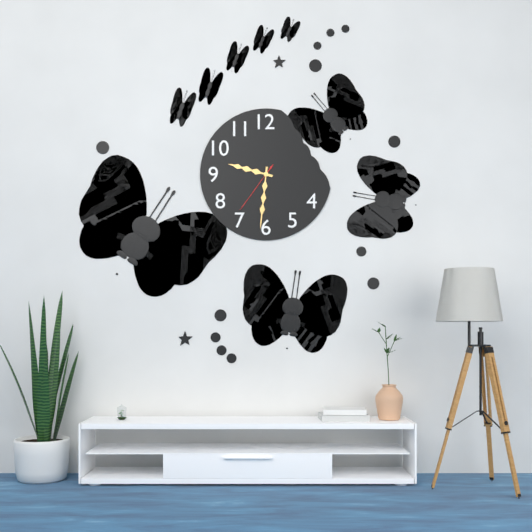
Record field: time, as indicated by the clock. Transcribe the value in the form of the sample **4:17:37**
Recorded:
**9:31:36**
